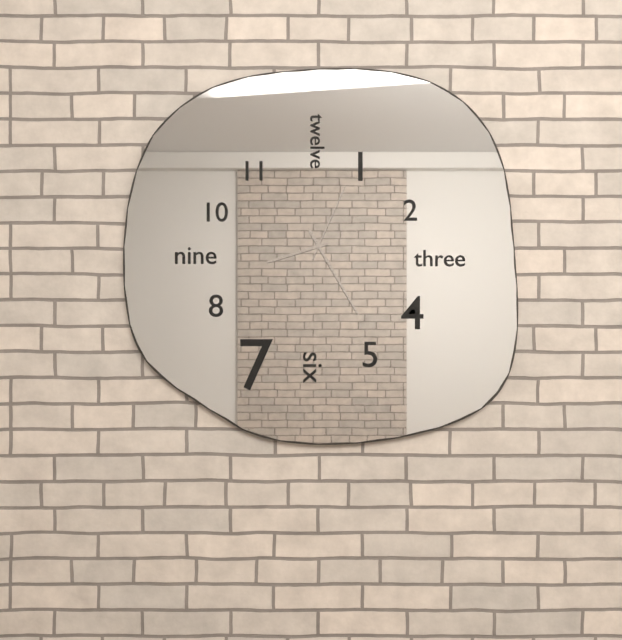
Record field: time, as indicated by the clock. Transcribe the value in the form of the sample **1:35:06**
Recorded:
**8:25:04**
